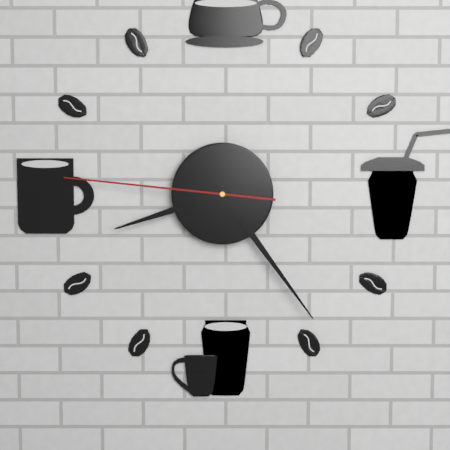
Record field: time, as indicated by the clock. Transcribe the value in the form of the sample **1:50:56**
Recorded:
**8:24:46**
